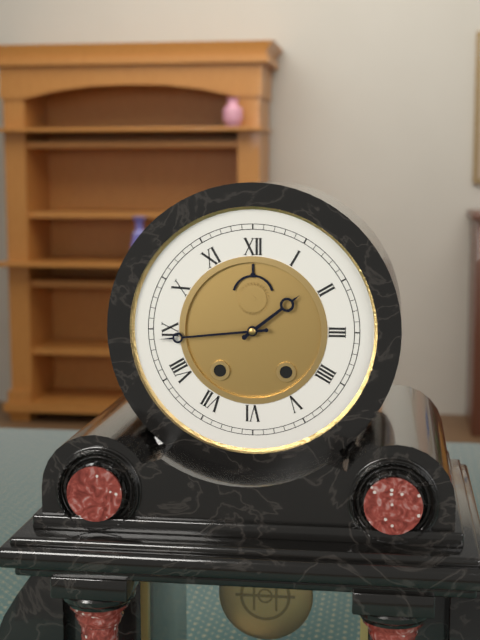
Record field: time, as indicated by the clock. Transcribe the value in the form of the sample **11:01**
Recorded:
**1:44**
